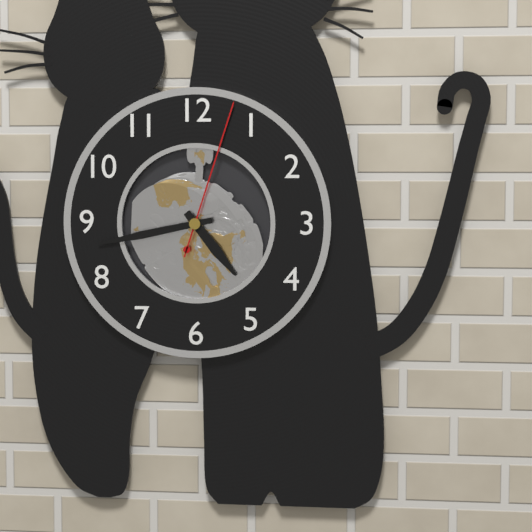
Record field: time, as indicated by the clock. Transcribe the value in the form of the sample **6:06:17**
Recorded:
**4:43:03**
